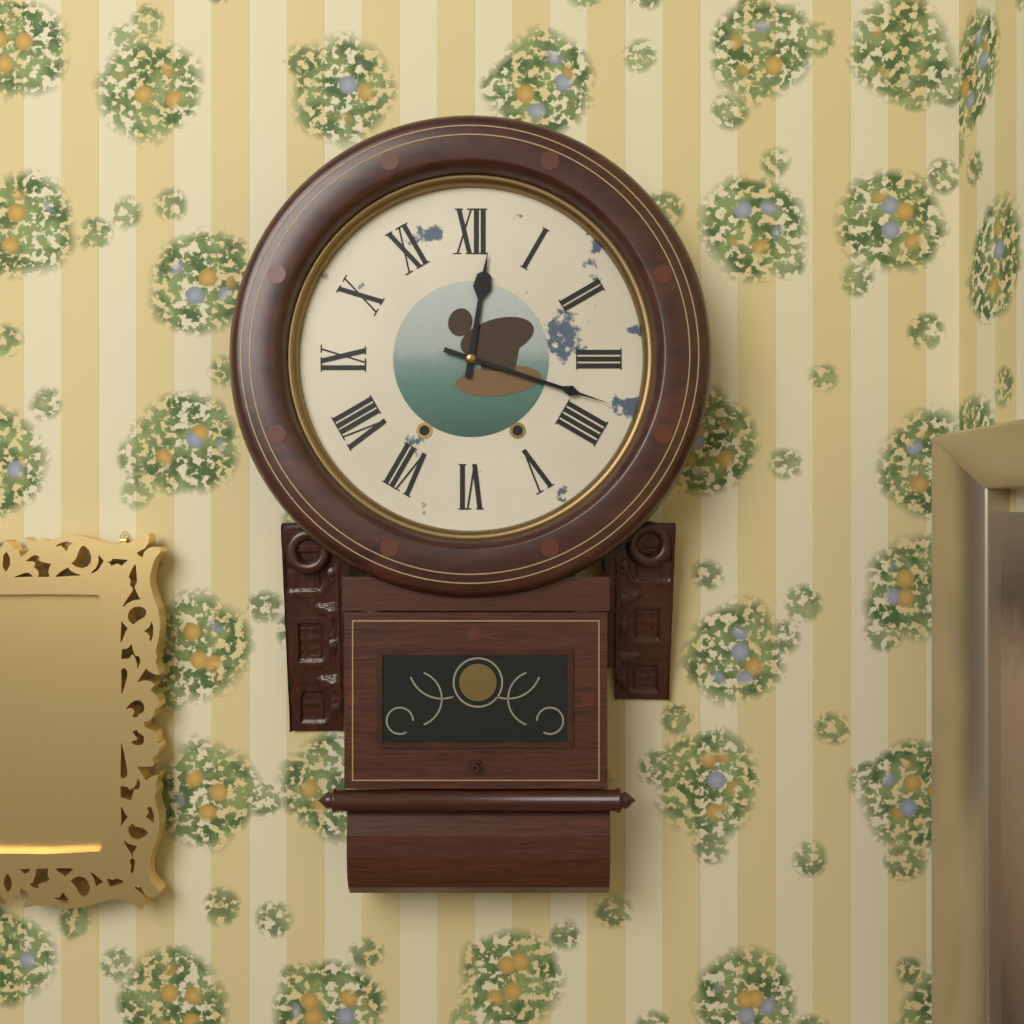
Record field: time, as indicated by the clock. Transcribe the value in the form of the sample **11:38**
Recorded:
**12:18**
